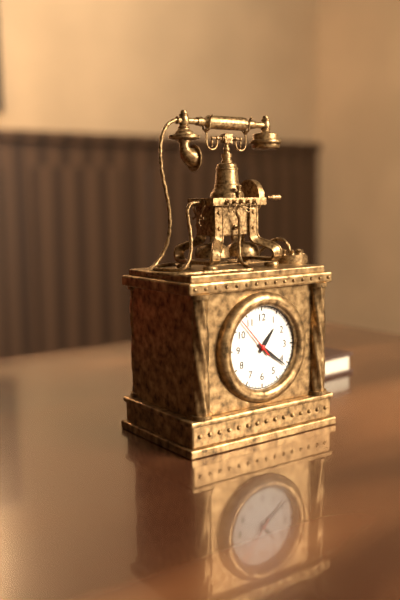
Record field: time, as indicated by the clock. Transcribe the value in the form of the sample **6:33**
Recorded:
**1:21**
